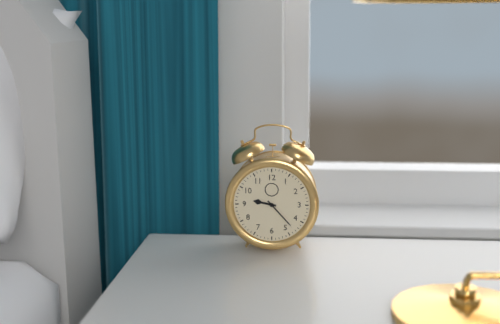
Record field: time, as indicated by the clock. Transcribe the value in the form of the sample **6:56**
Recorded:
**9:23**
